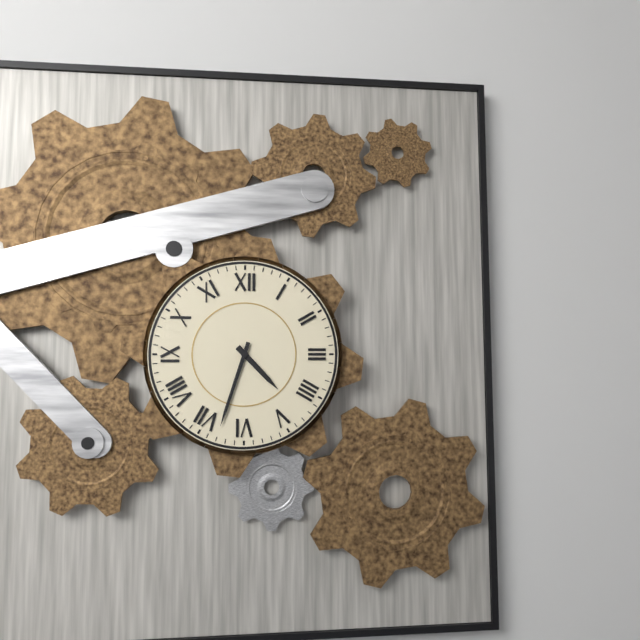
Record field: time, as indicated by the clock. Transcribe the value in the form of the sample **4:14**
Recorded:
**4:33**
